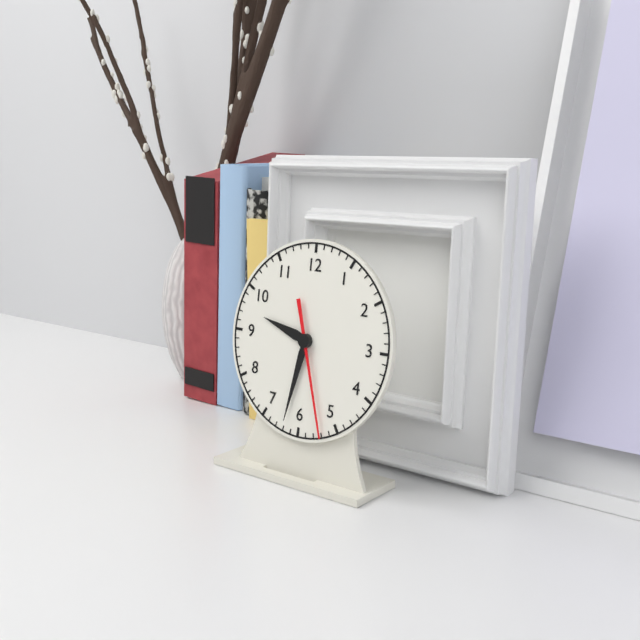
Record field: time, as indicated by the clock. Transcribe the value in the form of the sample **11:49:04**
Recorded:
**9:32:27**
